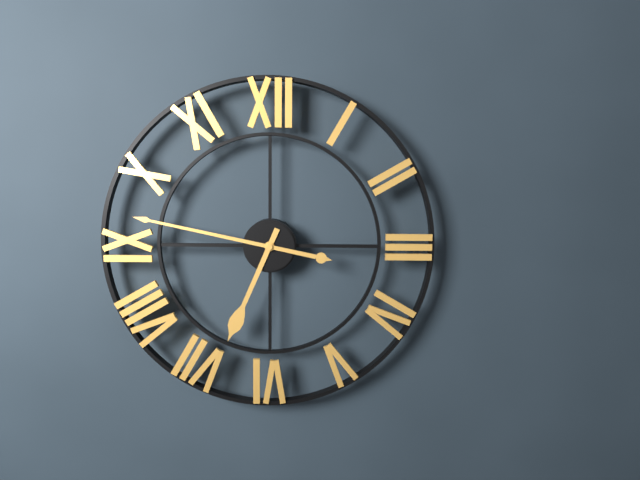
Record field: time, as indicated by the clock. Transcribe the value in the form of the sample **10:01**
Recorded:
**6:47**
